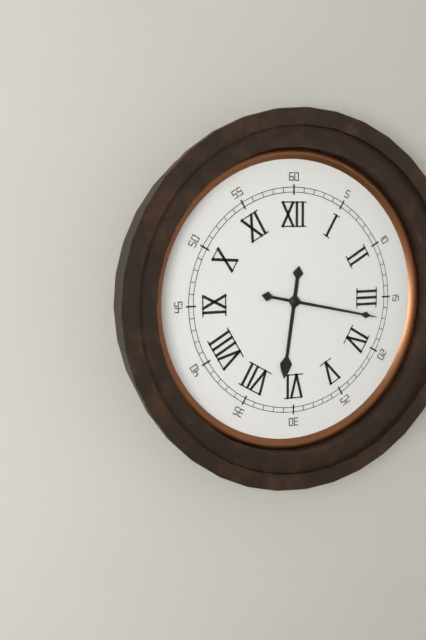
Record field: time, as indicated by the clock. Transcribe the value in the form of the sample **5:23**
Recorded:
**6:17**
